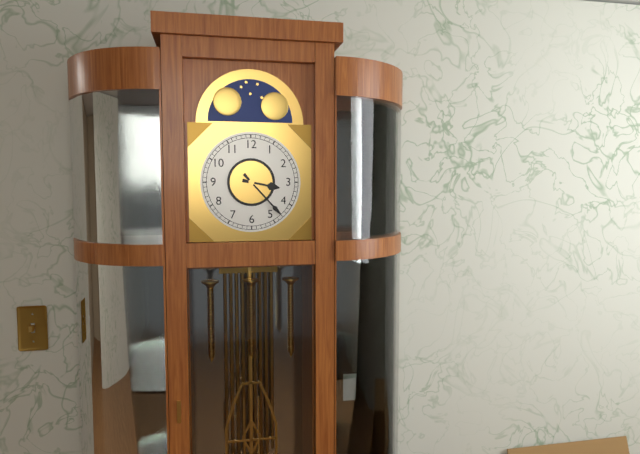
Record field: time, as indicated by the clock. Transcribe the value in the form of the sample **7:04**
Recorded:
**3:23**
